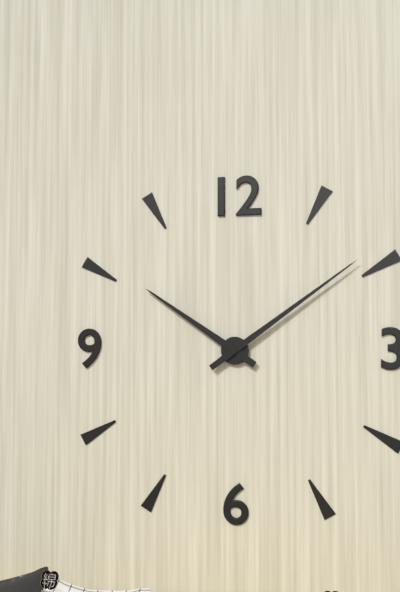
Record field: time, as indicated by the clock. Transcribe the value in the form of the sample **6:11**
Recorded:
**10:09**
